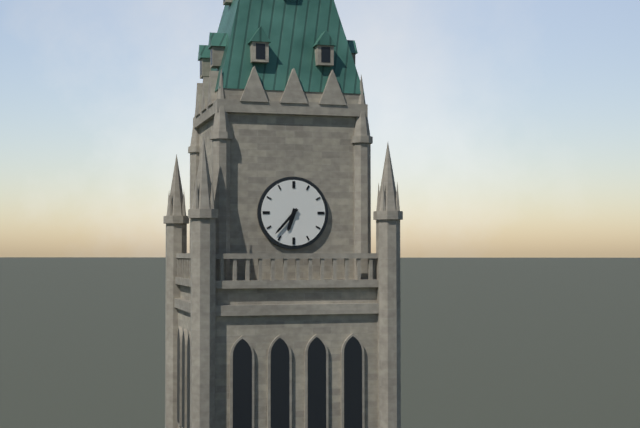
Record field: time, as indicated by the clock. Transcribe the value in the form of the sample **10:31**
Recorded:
**6:37**
